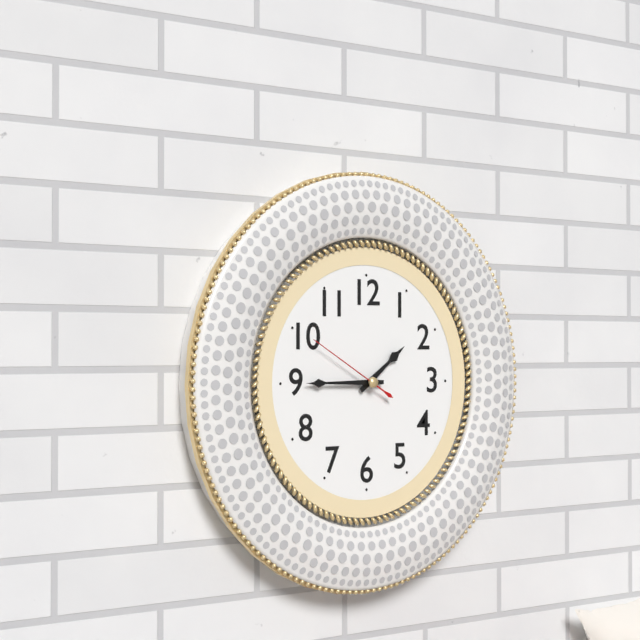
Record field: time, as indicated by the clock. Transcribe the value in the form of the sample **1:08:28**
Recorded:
**1:45:50**
